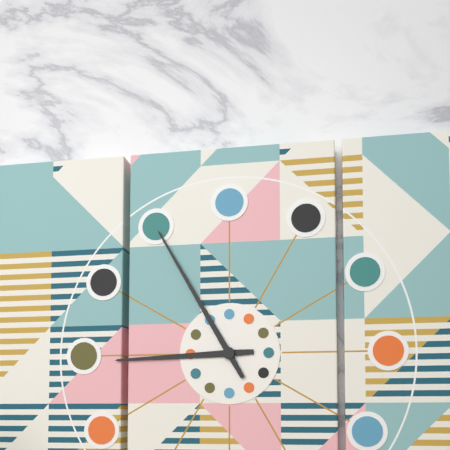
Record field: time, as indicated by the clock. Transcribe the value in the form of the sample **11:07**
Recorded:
**8:55**
